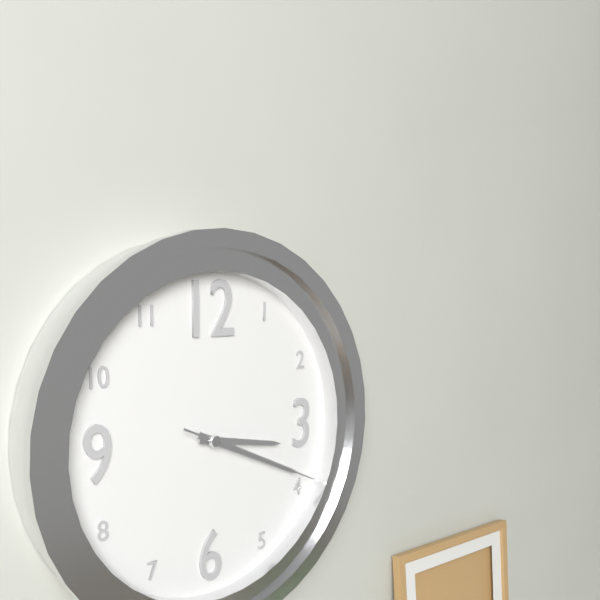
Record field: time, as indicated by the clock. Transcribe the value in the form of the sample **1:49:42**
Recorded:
**3:19:19**
